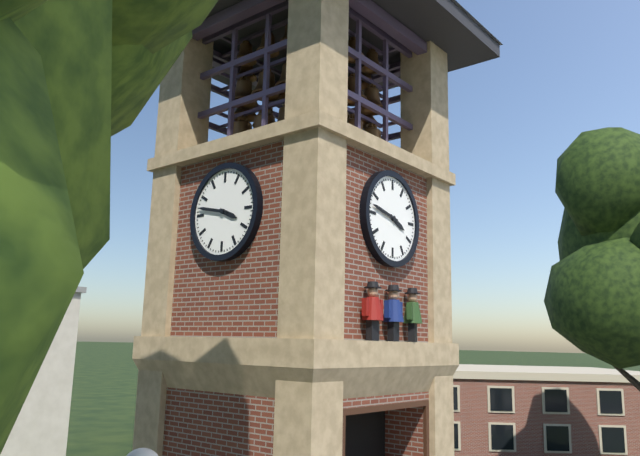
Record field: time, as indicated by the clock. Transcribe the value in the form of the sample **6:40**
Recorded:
**3:47**
